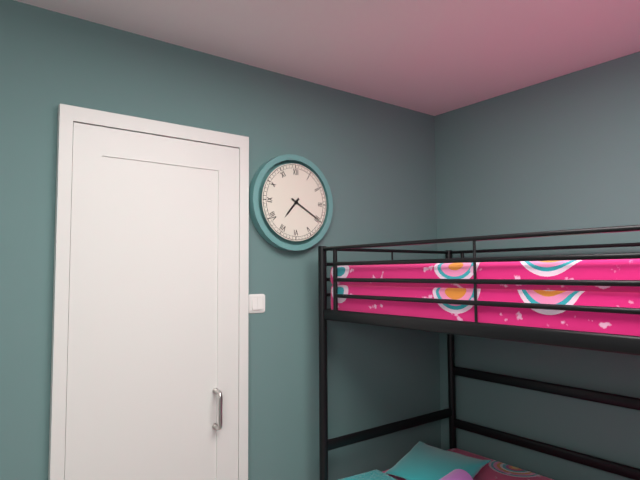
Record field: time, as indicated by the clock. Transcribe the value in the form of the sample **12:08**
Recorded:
**7:20**
